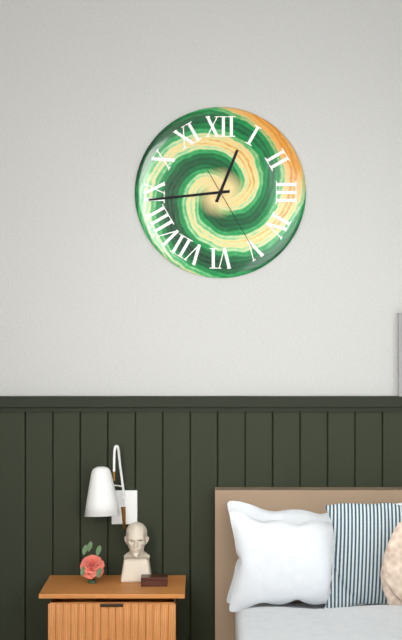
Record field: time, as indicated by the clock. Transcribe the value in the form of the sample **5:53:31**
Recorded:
**12:44:25**
